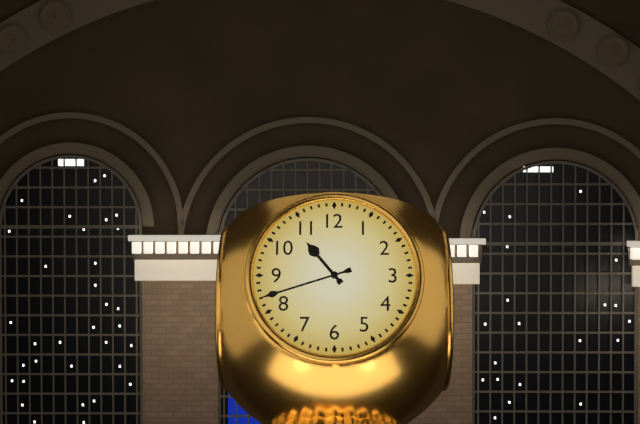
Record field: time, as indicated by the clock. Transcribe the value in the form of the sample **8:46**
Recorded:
**10:42**
